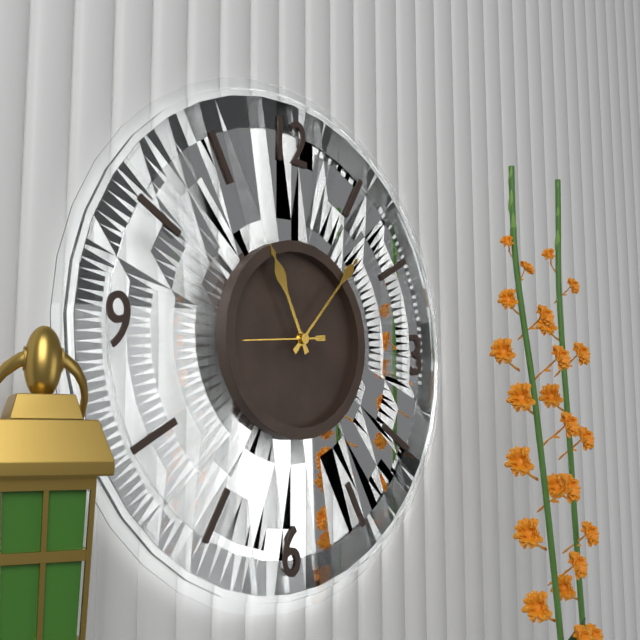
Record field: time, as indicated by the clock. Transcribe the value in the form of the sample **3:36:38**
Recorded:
**11:07:44**
